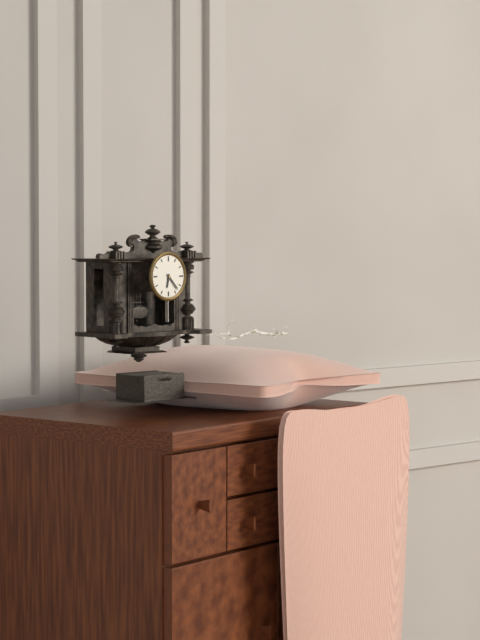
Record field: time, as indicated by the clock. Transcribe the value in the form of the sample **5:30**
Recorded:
**6:23**
